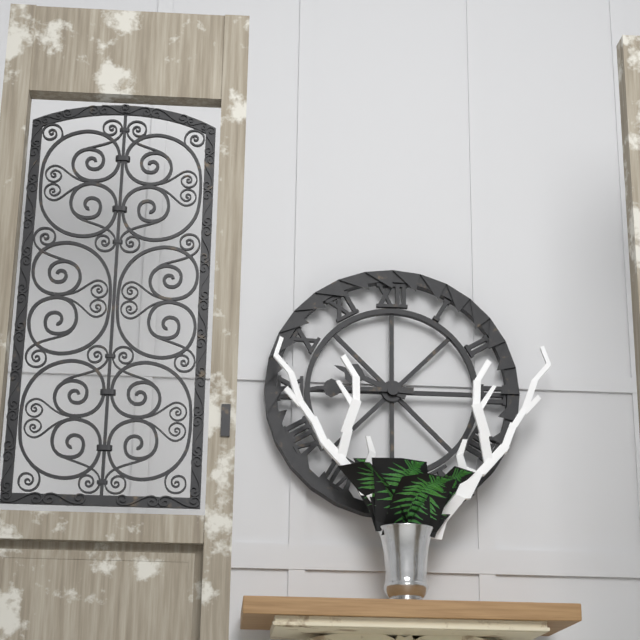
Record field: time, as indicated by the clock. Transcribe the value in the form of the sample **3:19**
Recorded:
**9:45**
